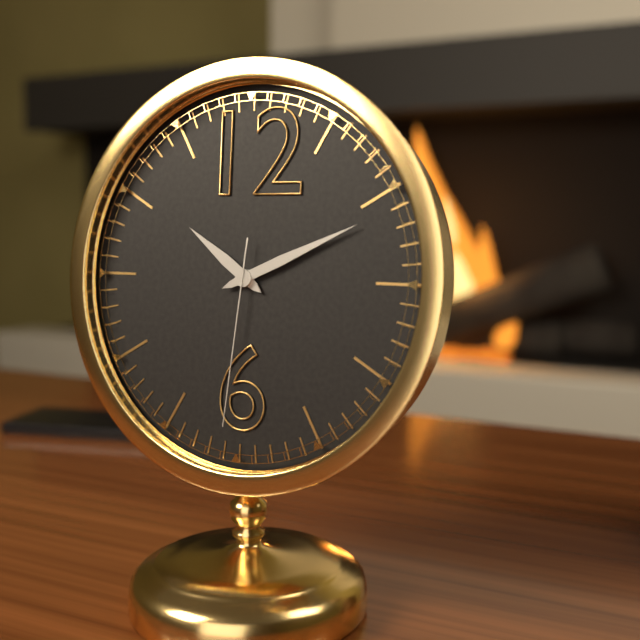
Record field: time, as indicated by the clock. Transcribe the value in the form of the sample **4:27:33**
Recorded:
**10:11:31**
